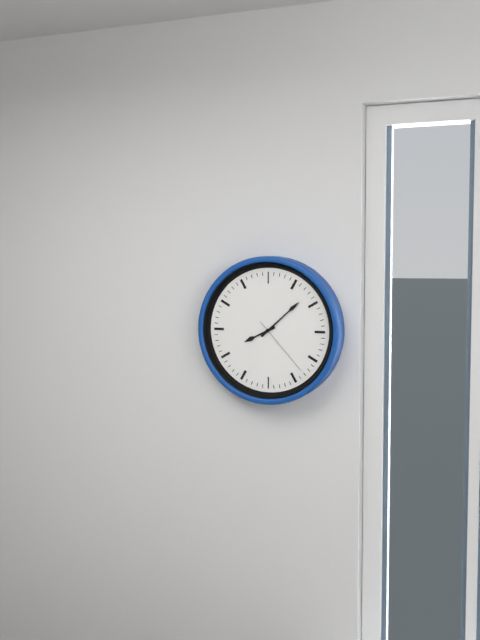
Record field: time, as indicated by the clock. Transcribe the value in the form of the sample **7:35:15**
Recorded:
**8:08:23**
